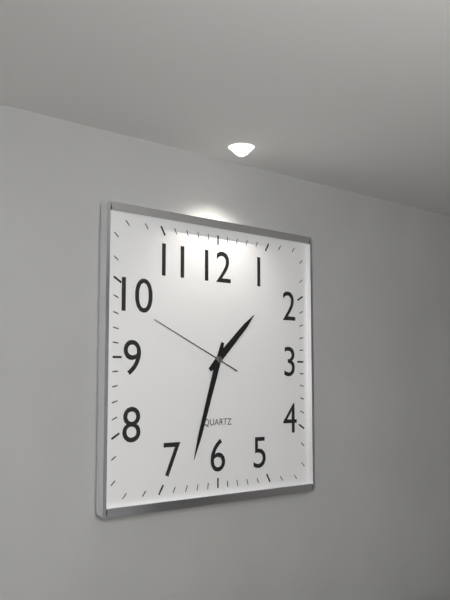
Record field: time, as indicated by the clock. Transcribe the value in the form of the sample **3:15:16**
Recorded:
**1:33:49**
